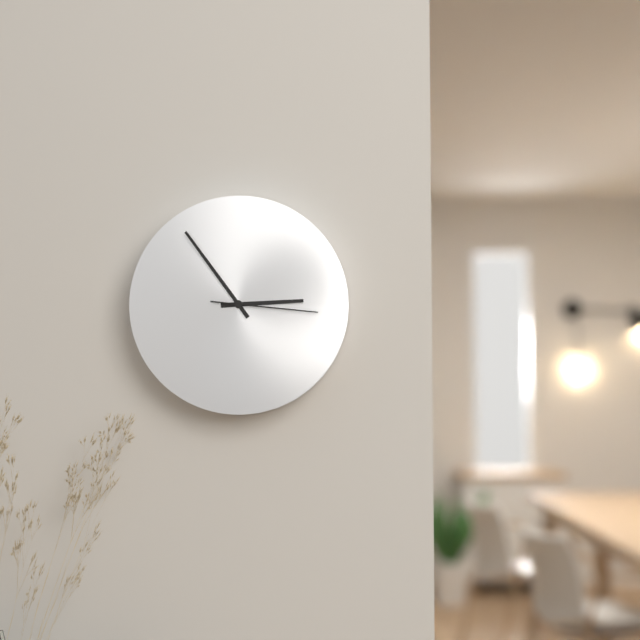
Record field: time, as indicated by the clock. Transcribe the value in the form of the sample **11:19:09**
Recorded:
**2:54:16**
